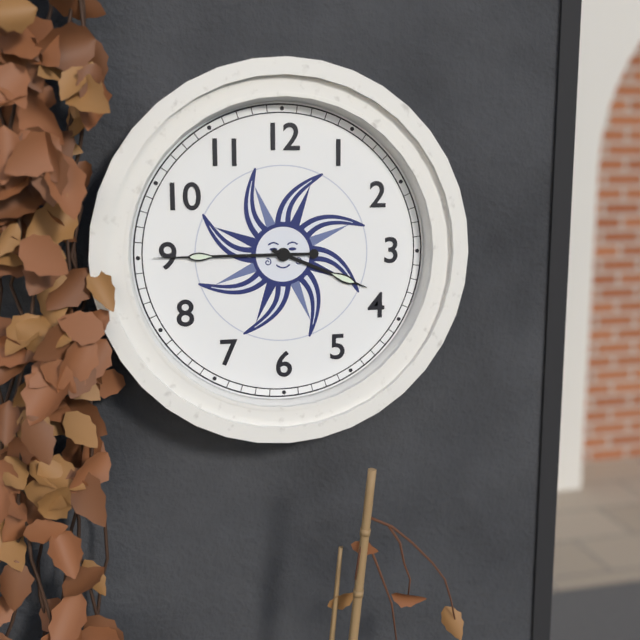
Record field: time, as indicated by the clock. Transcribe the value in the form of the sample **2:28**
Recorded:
**3:45**
